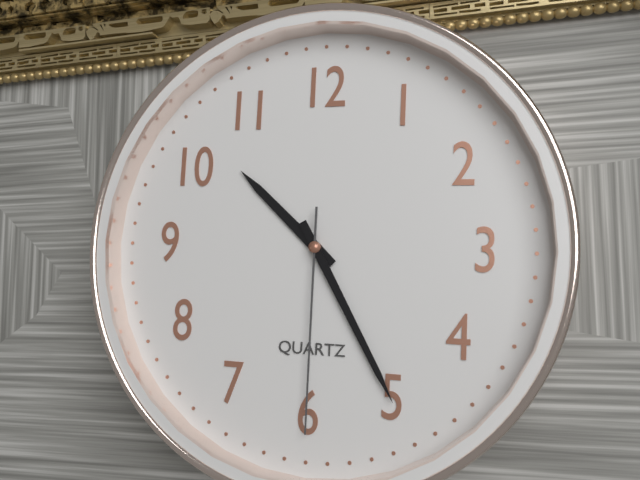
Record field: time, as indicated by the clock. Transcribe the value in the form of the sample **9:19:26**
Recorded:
**10:25:30**
